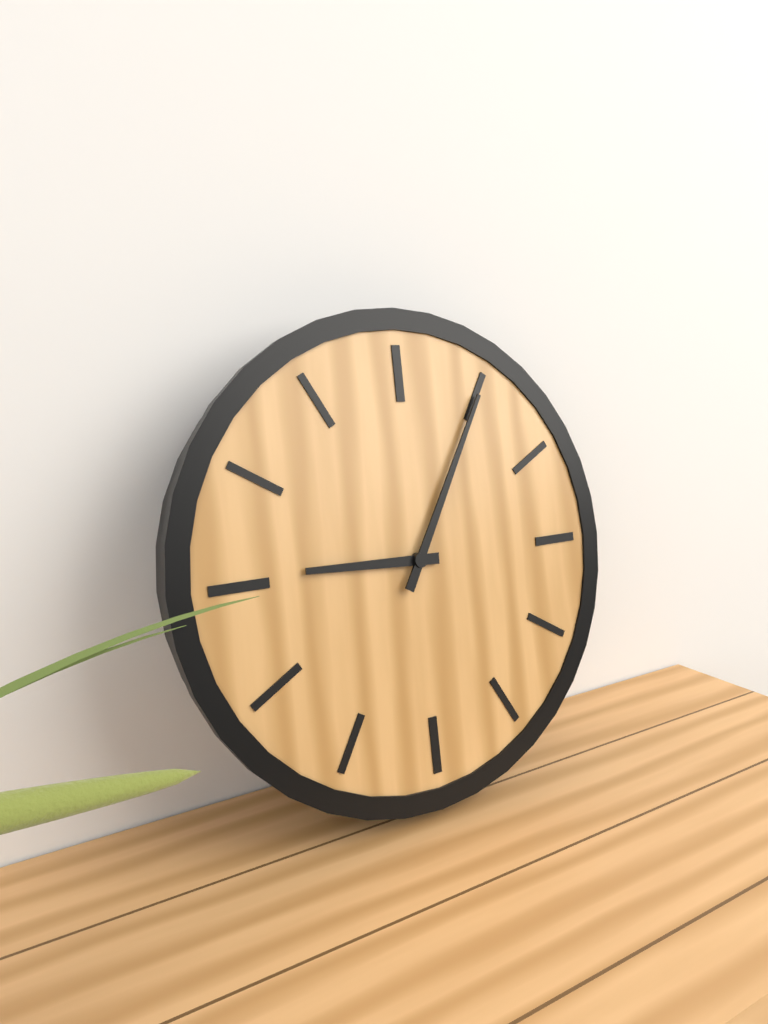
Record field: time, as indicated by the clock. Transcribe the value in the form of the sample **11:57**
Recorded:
**9:05**
